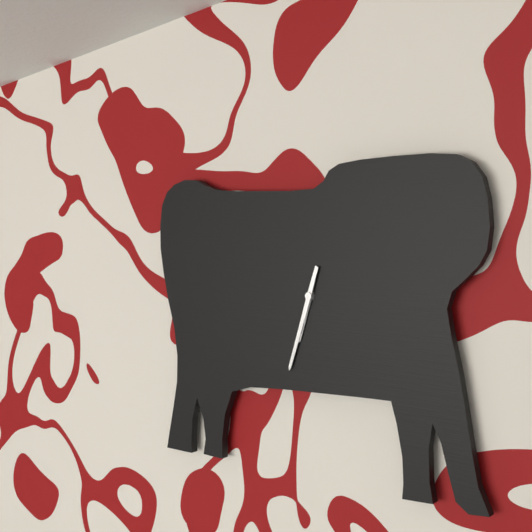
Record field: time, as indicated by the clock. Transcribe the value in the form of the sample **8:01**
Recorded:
**6:33**
